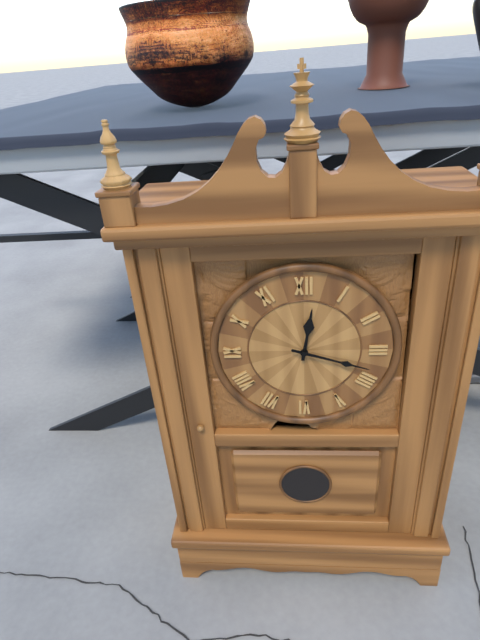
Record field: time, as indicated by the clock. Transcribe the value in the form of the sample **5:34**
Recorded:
**12:18**
